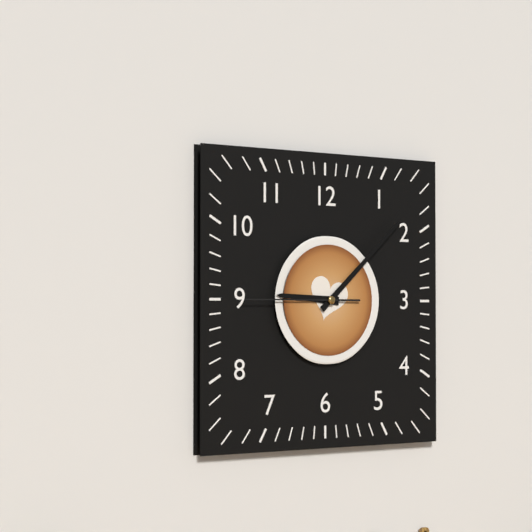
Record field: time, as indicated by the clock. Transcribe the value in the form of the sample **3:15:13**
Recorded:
**9:08:45**
